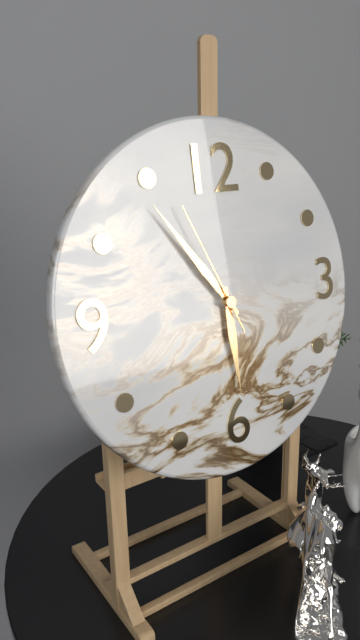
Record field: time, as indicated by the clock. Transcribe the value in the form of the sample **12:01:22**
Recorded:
**5:54:56**
